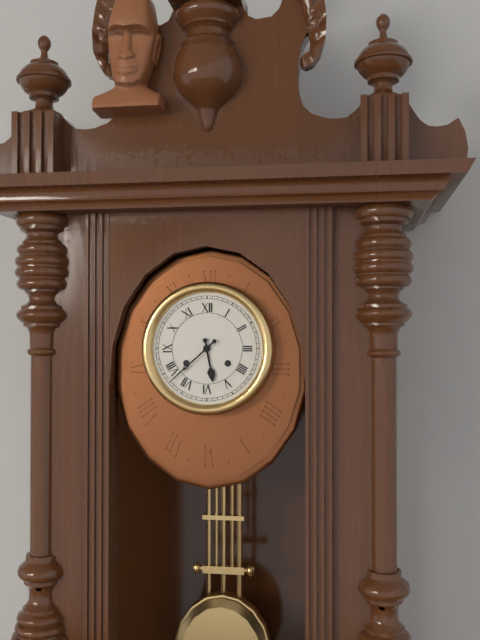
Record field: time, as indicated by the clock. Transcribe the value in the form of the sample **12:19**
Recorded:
**5:38**
